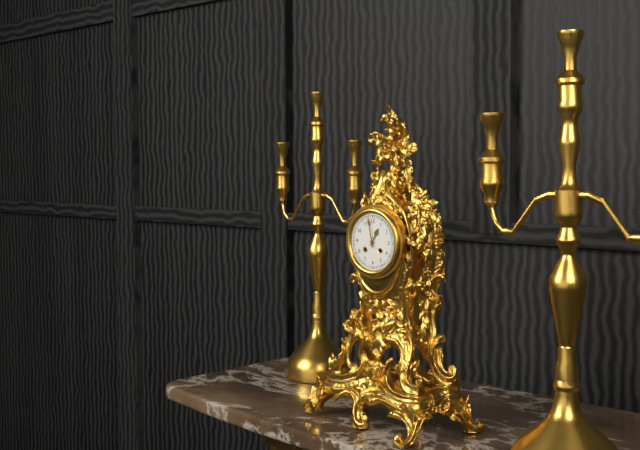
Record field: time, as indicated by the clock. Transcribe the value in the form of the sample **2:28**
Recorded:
**12:58**
